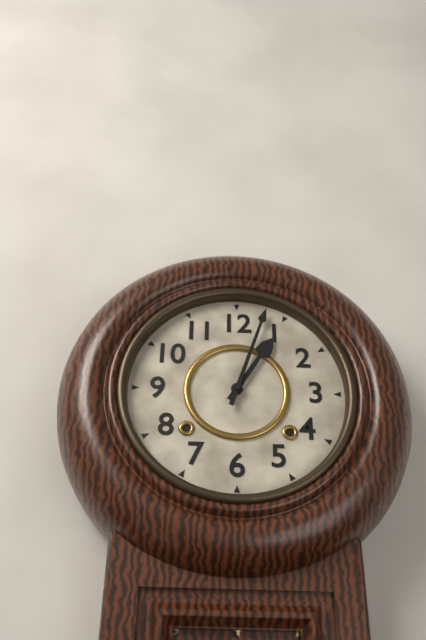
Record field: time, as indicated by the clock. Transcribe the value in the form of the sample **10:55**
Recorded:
**1:03**
